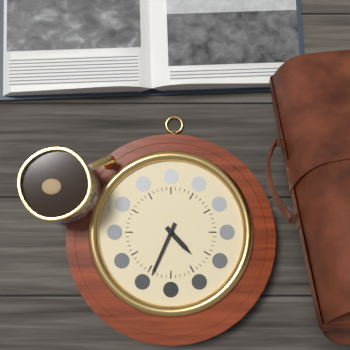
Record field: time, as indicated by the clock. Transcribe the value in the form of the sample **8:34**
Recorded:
**4:34**
